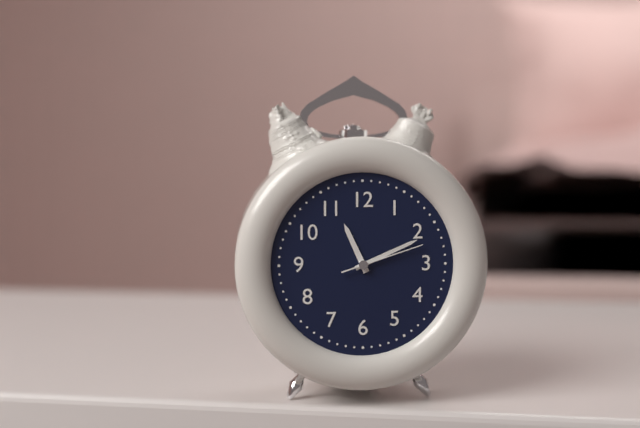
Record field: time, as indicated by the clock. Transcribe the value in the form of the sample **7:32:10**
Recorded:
**11:11:12**
